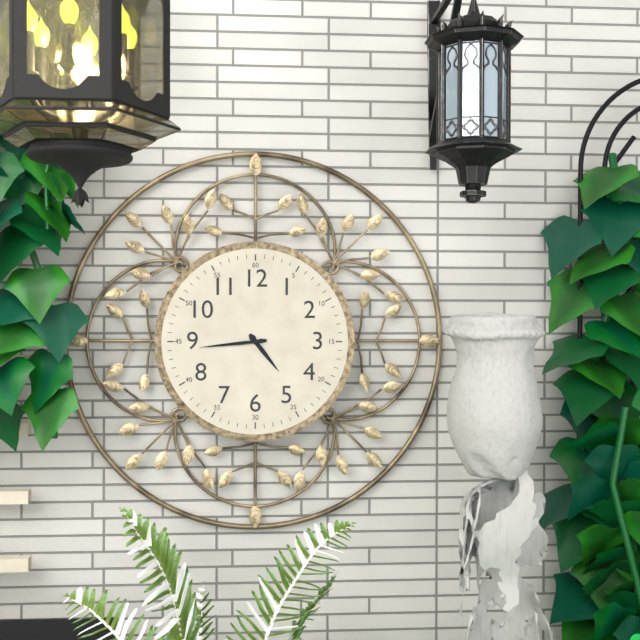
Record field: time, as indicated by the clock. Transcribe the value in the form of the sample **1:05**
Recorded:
**4:44**
